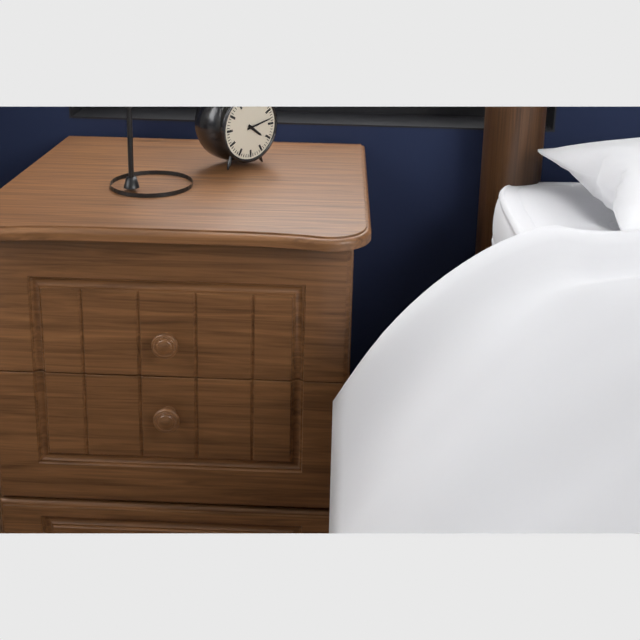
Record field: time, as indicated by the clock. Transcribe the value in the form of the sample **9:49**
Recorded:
**4:13**
